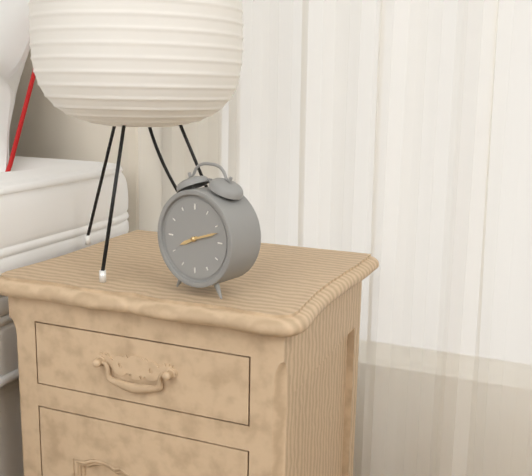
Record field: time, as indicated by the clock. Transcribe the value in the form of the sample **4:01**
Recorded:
**8:12**
